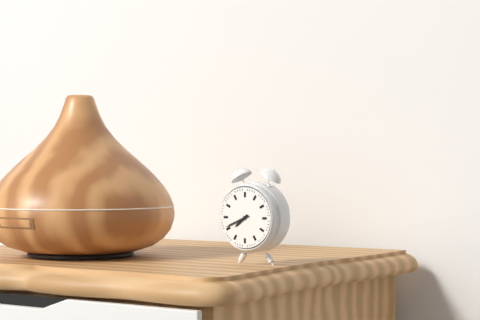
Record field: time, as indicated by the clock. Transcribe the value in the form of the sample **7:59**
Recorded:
**7:41**
